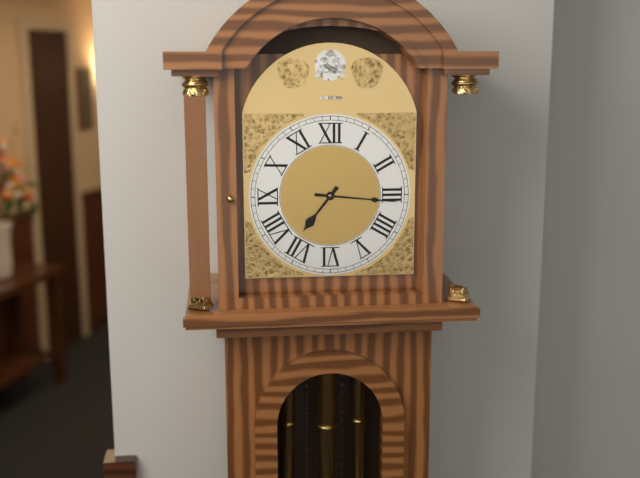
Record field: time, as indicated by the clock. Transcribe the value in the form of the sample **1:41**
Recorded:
**7:16**
